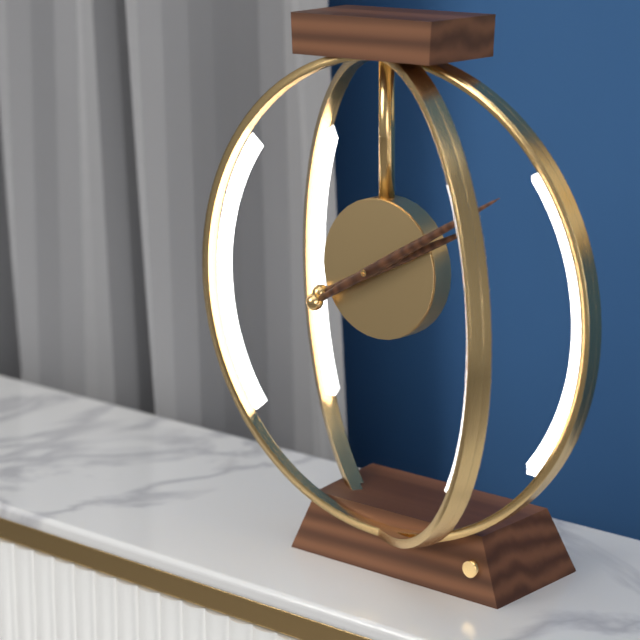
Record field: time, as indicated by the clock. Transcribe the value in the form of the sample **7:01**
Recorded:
**2:10**
